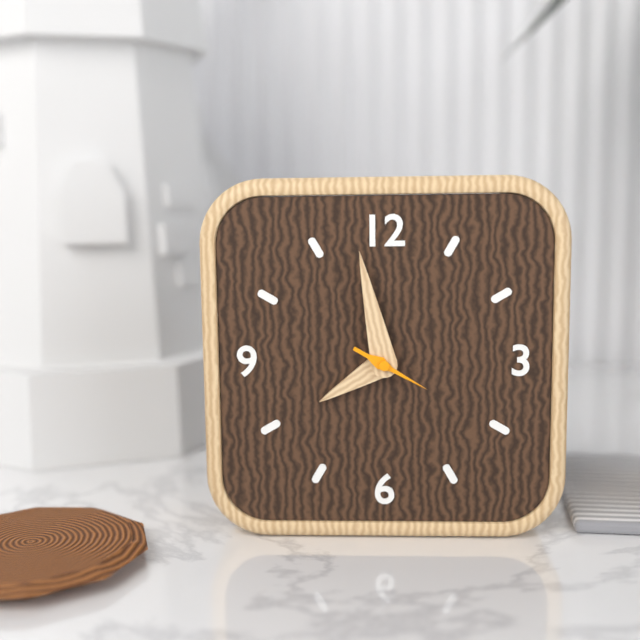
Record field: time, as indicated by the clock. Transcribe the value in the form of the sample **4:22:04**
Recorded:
**7:58:20**
